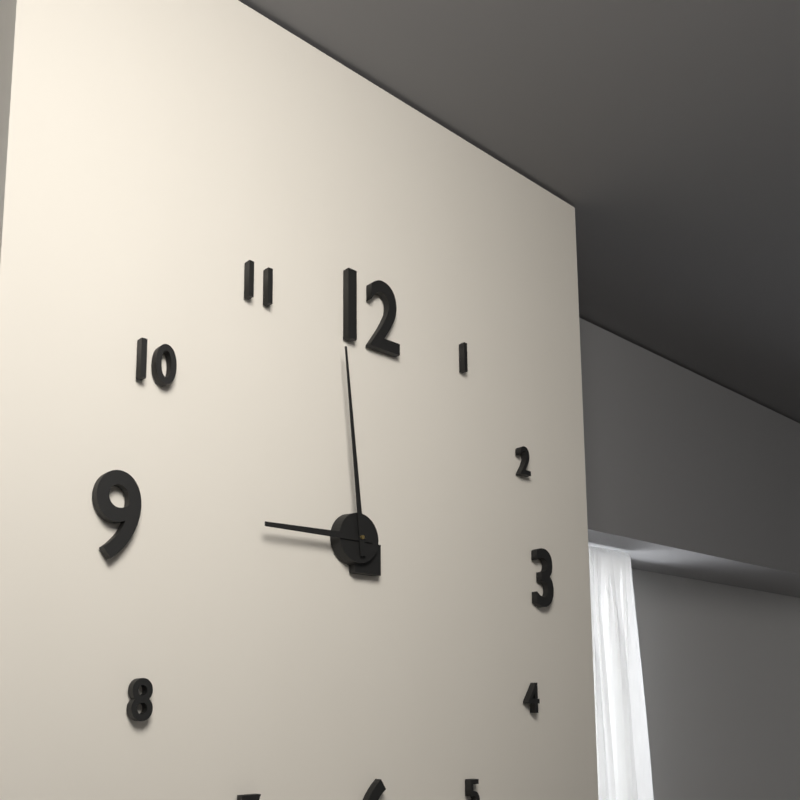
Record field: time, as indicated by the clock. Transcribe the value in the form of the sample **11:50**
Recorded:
**8:59**
